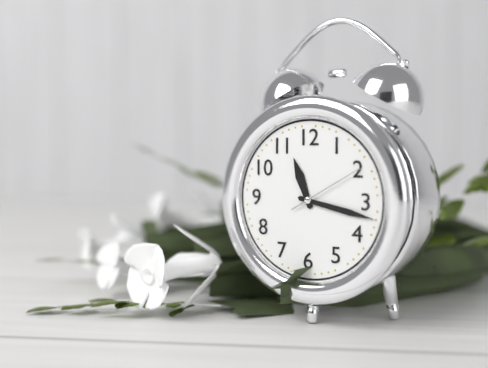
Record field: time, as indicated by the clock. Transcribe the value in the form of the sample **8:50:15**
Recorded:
**11:17:10**
